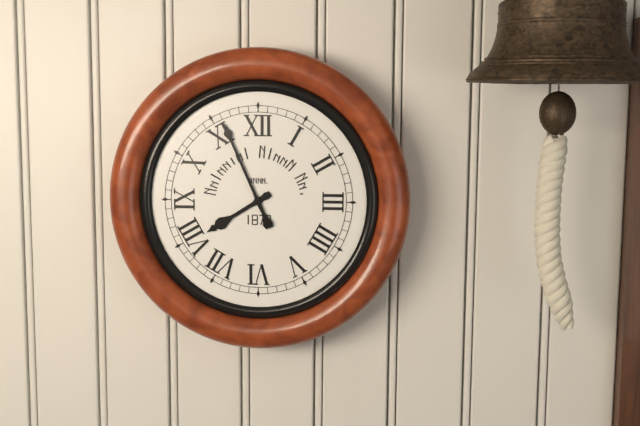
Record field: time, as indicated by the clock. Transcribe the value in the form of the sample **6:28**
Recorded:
**7:56**
